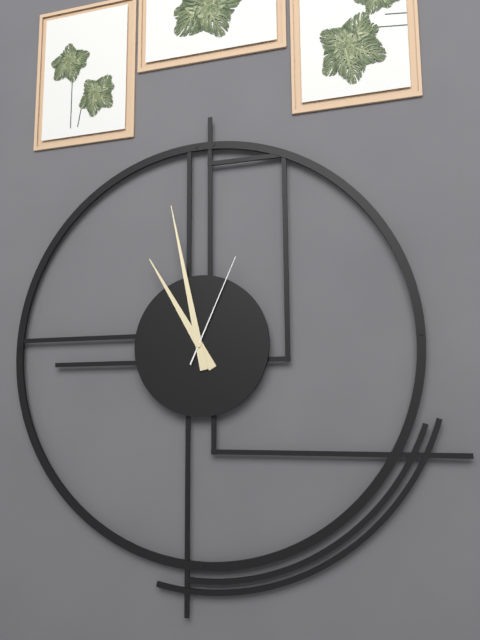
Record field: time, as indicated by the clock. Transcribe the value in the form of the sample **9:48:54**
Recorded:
**10:58:04**
